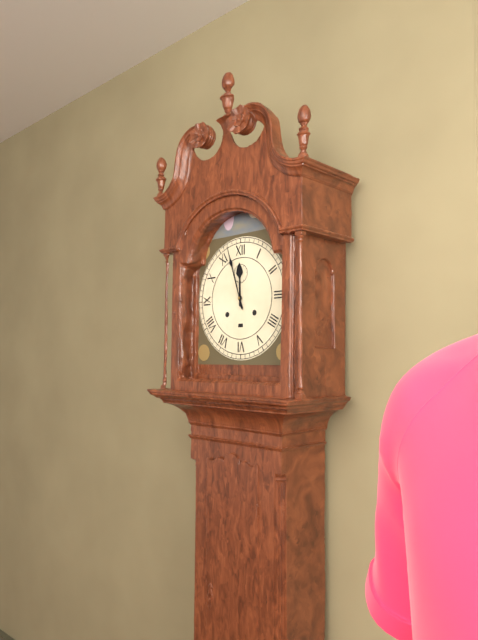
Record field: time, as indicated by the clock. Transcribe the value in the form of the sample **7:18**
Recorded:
**11:57**
